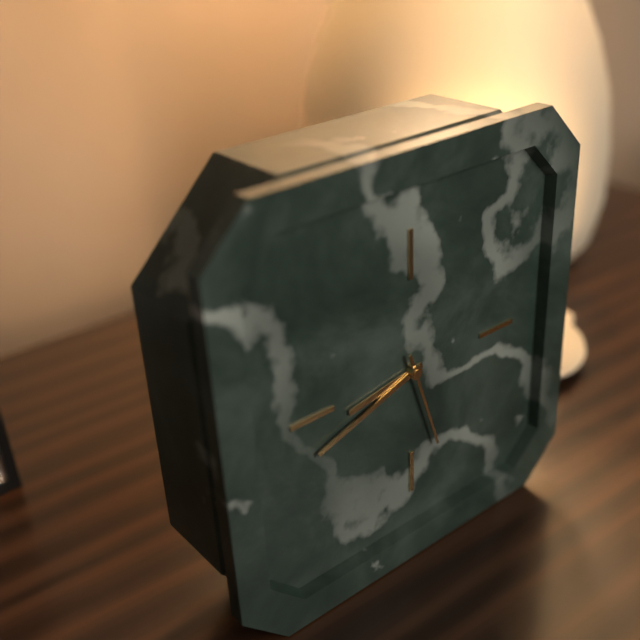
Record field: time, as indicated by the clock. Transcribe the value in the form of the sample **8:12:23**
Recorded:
**8:42:27**
